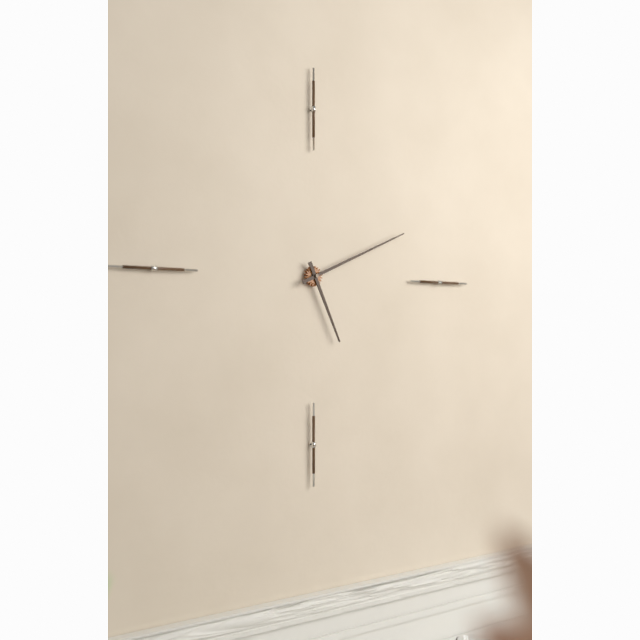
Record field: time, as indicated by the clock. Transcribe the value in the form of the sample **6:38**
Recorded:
**5:11**
